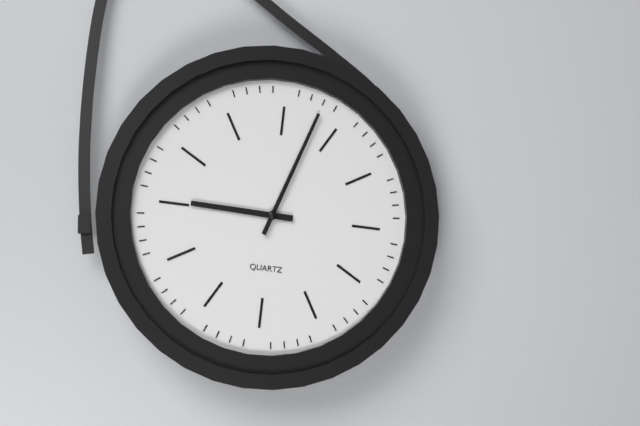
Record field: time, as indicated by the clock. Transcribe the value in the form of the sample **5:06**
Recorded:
**9:03**
